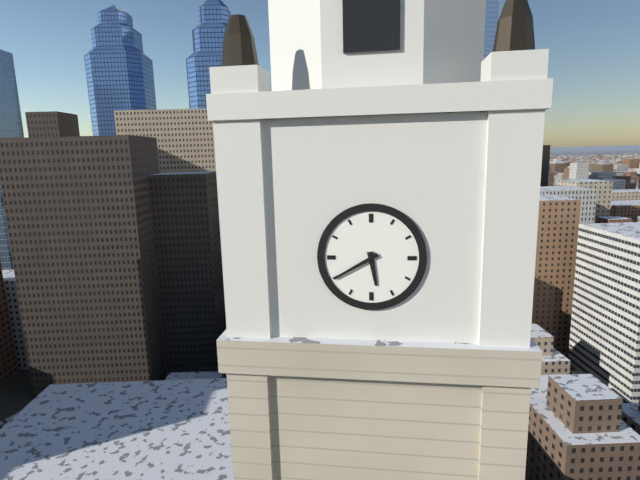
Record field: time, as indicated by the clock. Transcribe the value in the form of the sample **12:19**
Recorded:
**5:40**
